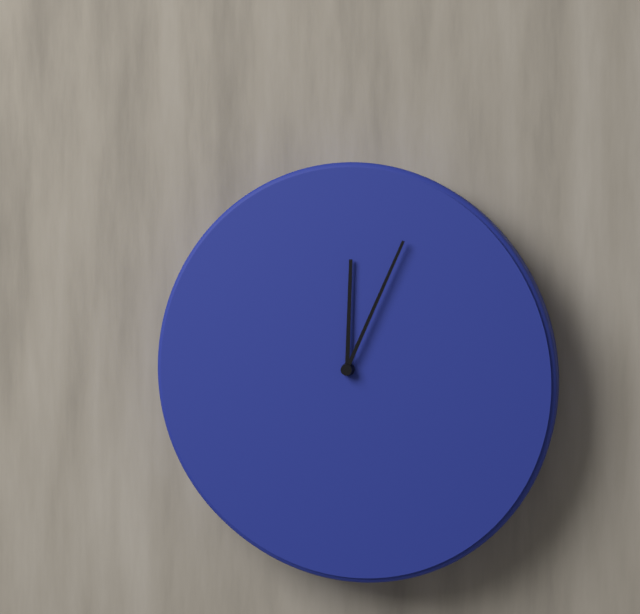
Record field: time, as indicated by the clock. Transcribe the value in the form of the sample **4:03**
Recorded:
**12:04**
